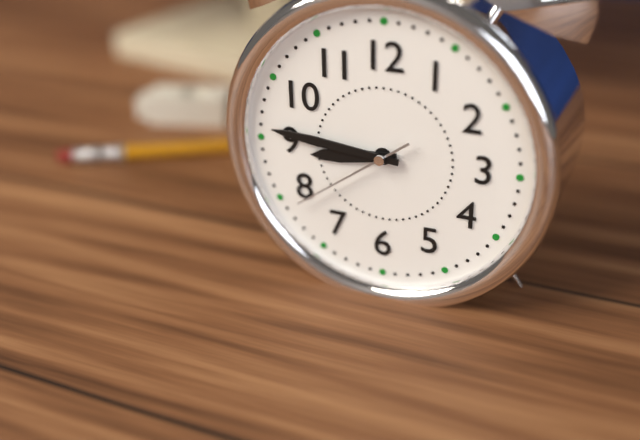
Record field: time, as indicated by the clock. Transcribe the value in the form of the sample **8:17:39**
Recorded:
**8:46:39**
